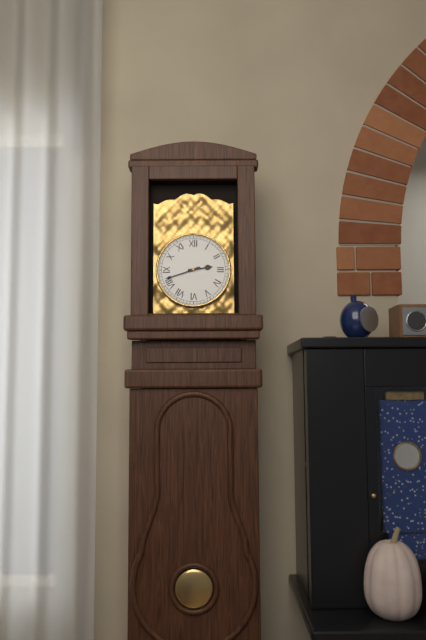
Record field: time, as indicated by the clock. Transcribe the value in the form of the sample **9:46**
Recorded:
**2:42**
